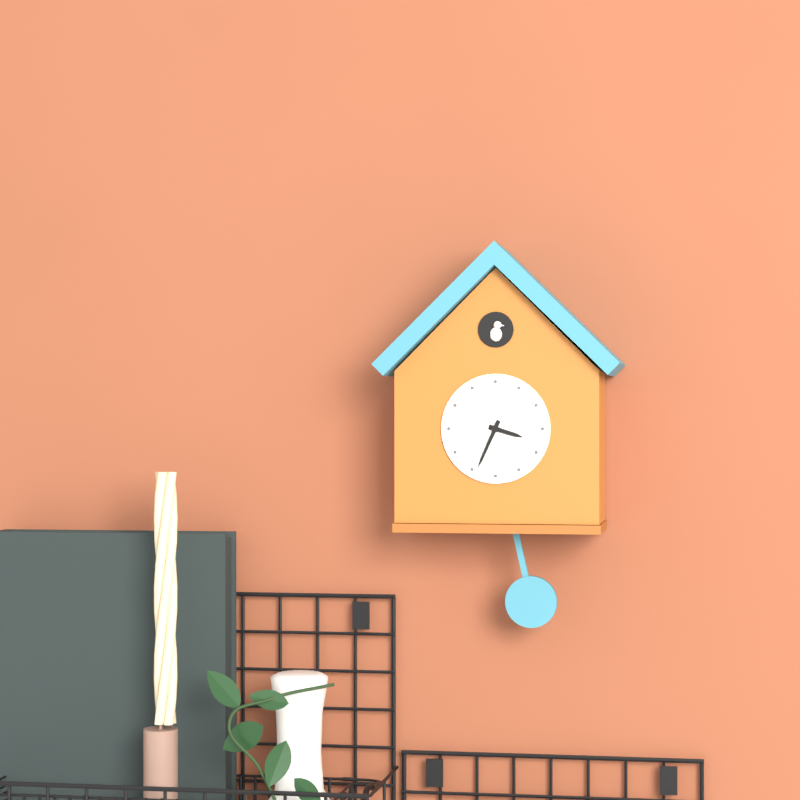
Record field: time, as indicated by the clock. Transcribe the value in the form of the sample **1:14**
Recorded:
**3:34**
